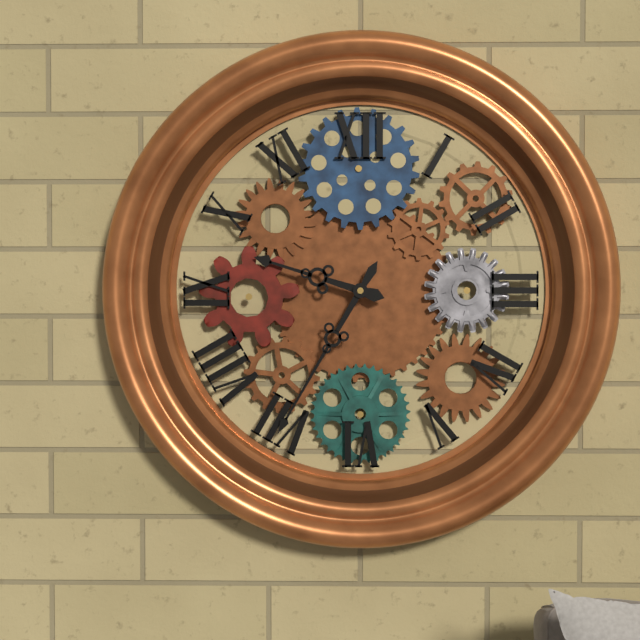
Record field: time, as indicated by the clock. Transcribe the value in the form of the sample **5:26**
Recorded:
**9:35**
